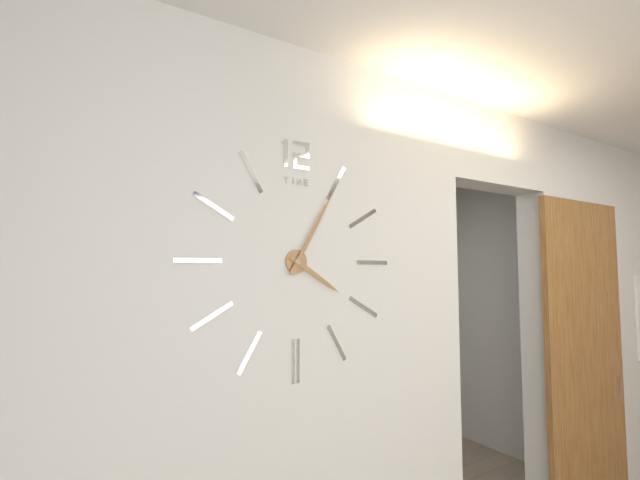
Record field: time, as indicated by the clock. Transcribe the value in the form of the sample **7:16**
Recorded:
**4:05**
